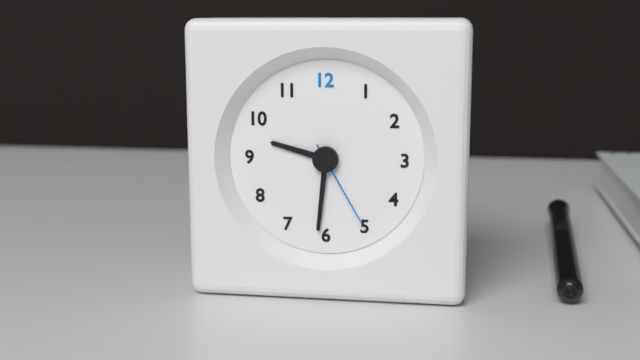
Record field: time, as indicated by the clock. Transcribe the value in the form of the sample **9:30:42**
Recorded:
**9:31:25**
